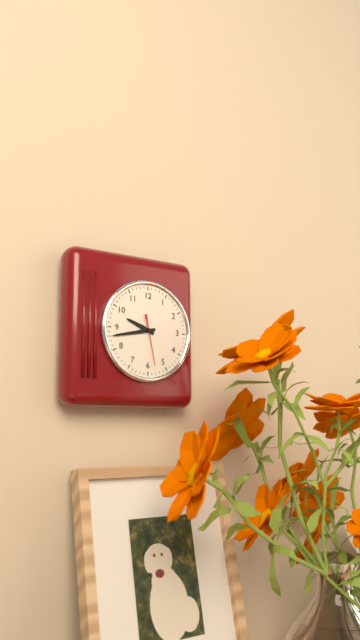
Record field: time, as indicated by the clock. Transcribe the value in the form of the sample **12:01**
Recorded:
**9:43**
